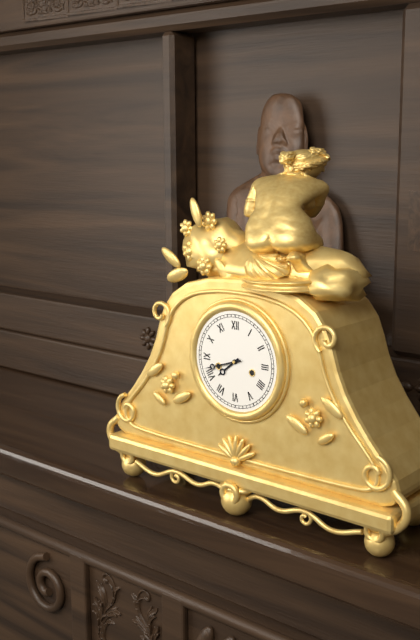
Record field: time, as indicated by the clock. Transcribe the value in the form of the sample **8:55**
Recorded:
**7:42**
